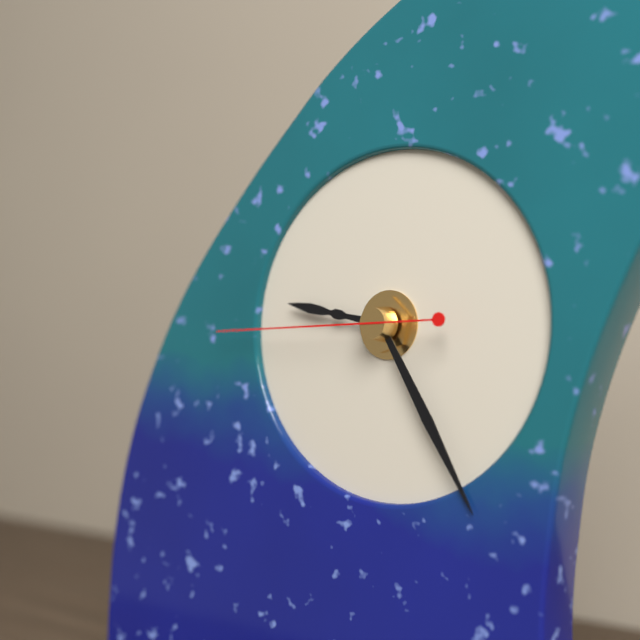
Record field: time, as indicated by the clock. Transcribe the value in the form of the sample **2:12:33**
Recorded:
**9:25:45**
